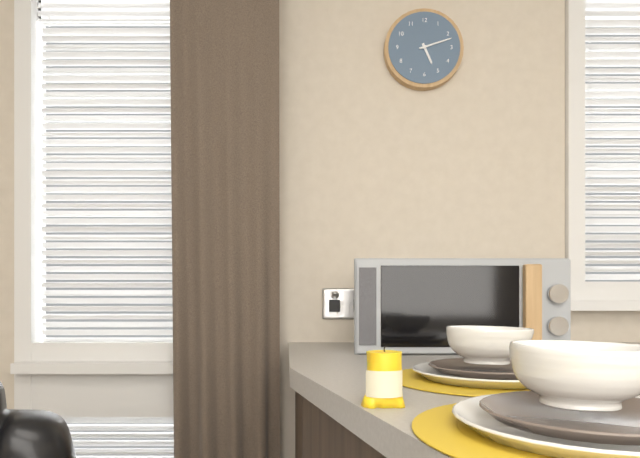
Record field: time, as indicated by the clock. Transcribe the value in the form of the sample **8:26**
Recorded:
**5:12**
